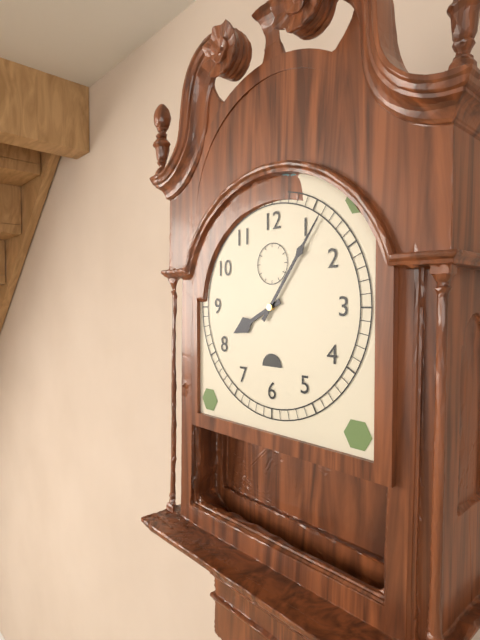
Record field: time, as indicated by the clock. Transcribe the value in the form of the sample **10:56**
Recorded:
**8:06**
